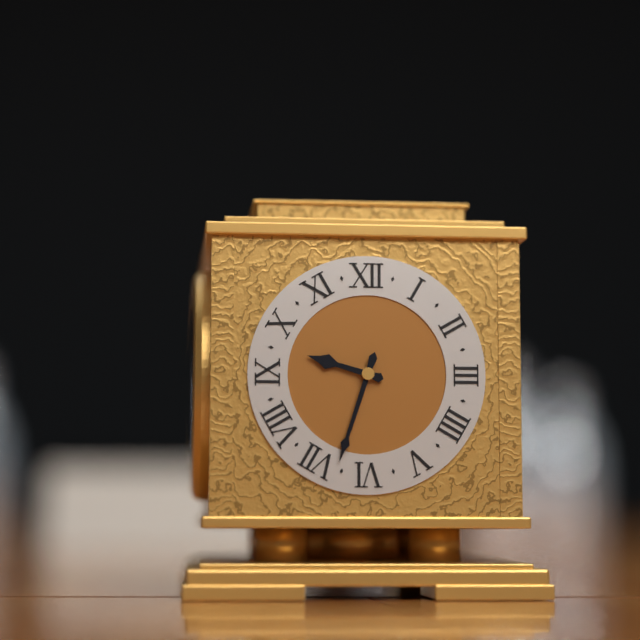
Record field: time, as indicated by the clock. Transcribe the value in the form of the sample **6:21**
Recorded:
**9:33**
